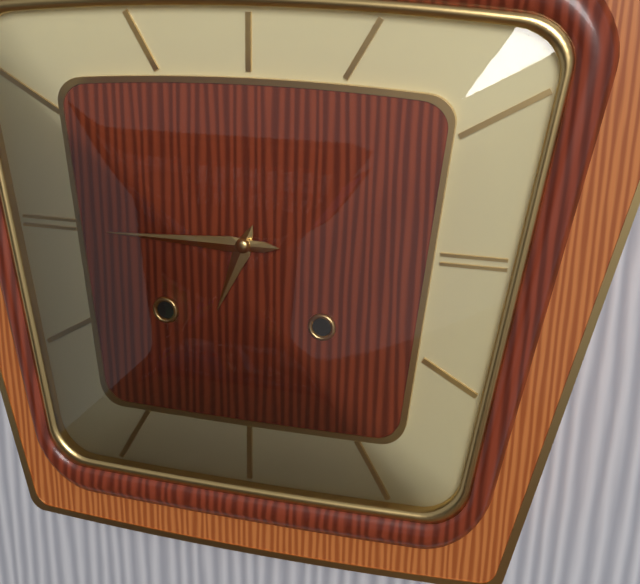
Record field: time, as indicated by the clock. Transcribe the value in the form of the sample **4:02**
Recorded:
**6:45**
